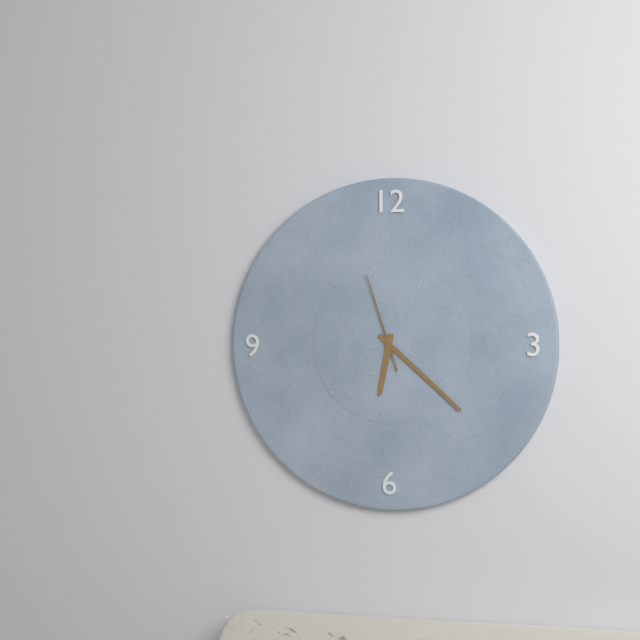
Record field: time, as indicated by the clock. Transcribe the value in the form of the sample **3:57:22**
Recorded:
**6:22:57**
